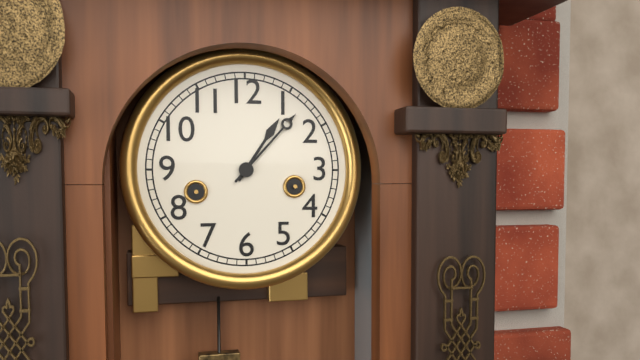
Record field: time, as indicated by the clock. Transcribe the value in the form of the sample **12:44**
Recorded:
**1:07**
